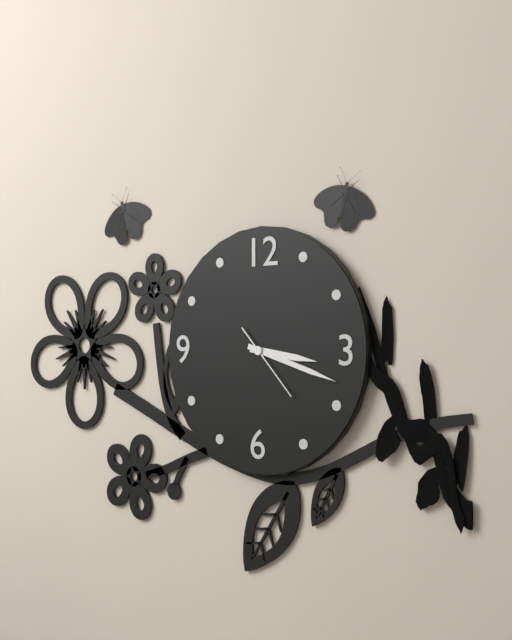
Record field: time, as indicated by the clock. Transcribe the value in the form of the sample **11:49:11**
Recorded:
**3:18:23**
